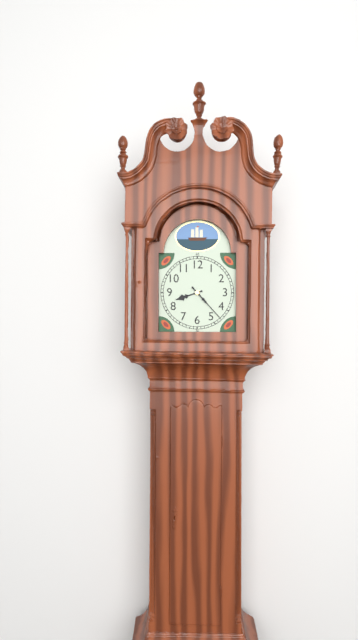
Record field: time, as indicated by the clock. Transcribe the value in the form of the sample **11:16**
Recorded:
**8:23**
